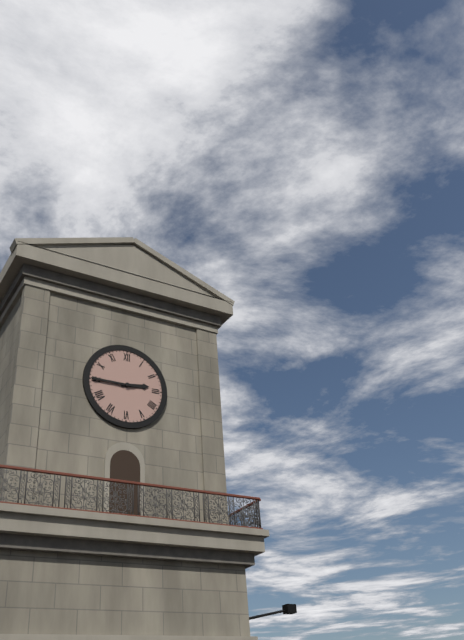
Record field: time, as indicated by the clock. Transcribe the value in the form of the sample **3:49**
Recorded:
**2:45**
